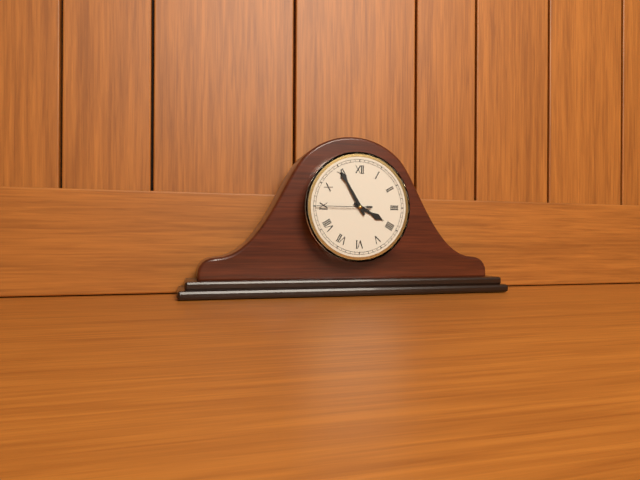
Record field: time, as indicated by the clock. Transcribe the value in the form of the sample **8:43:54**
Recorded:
**3:55:45**
